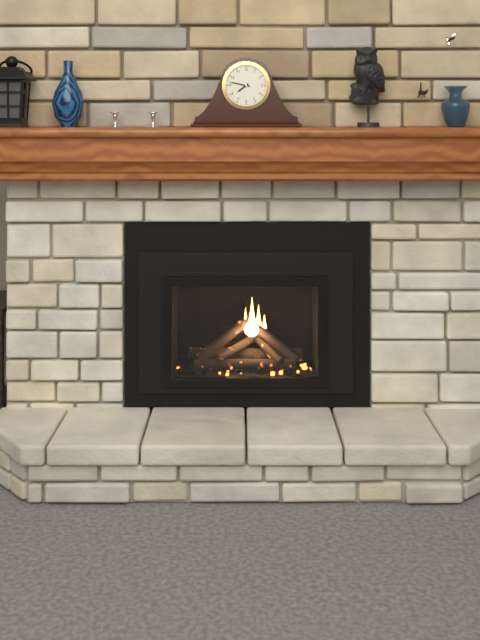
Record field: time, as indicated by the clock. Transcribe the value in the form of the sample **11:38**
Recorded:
**7:47**
